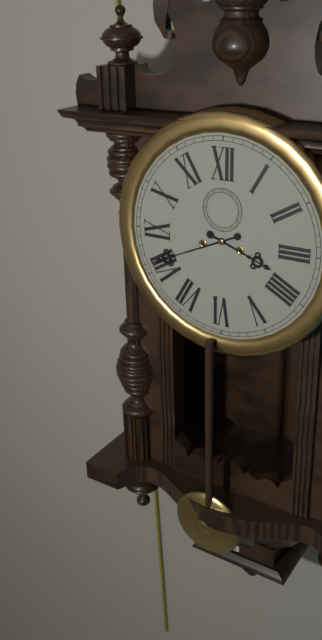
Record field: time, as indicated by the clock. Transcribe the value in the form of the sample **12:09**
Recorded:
**3:41**
